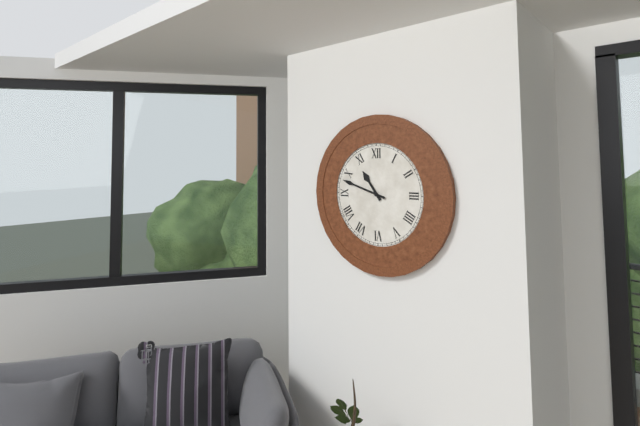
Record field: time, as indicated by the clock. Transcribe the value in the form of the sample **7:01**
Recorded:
**10:48**
